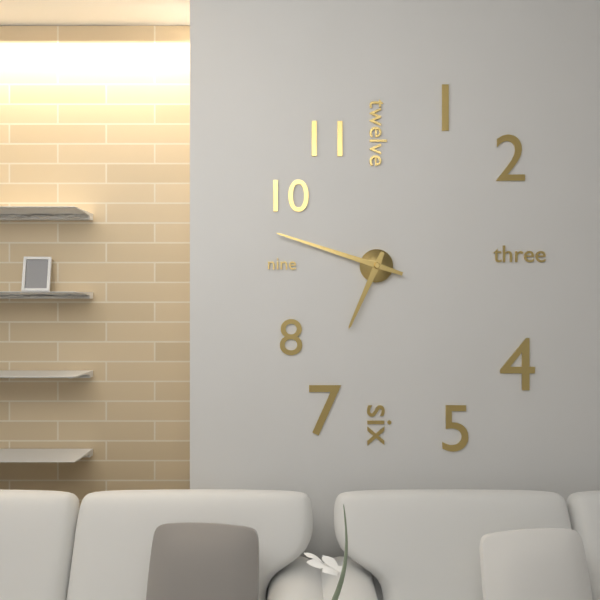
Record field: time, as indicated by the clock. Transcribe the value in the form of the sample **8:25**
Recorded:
**6:48**
